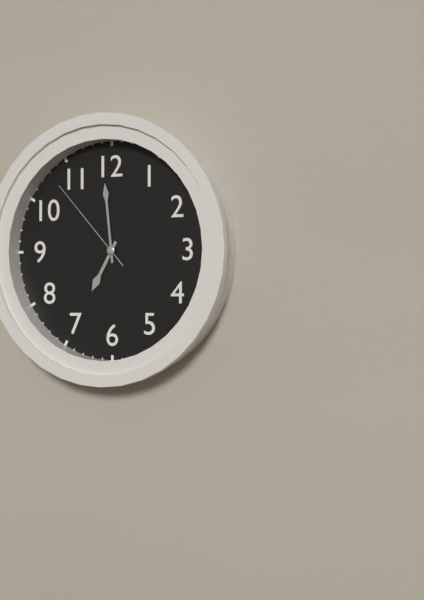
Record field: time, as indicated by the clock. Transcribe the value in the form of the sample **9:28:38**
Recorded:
**6:59:53**
